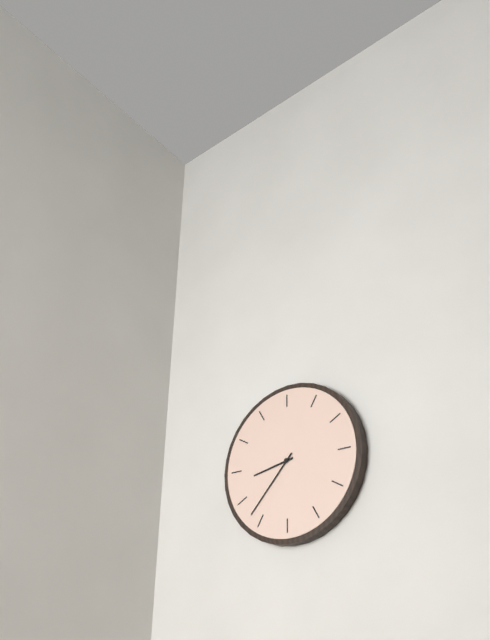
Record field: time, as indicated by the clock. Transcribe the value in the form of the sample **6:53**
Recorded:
**8:37**
